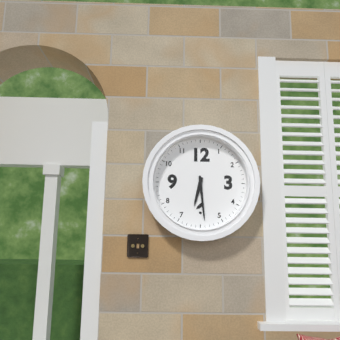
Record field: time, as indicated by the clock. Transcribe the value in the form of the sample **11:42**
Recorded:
**6:29**
